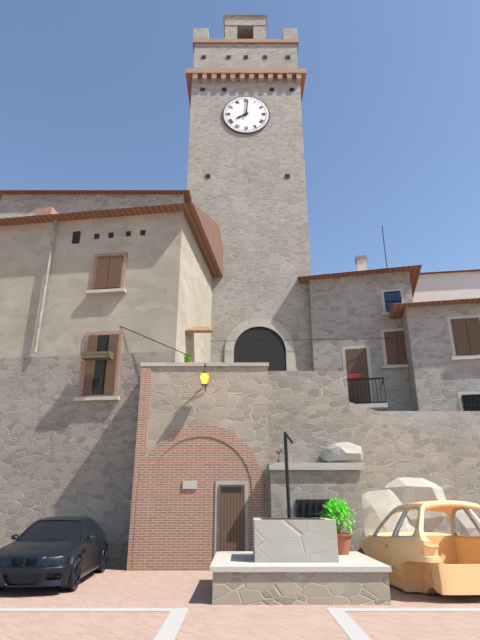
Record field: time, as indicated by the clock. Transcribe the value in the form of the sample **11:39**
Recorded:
**8:01**
